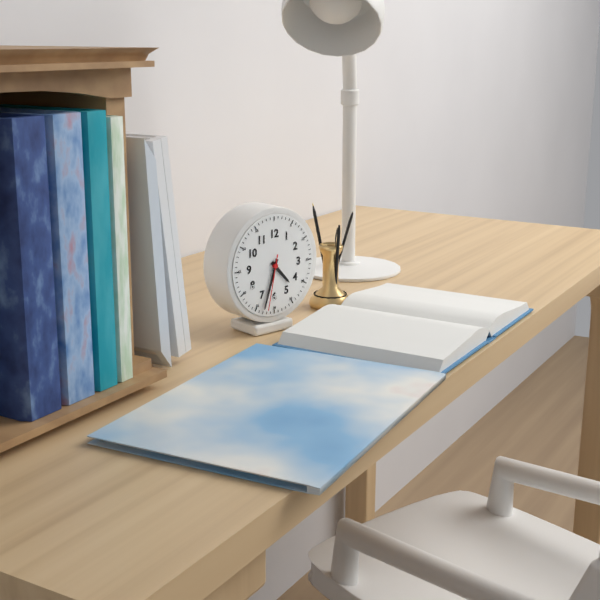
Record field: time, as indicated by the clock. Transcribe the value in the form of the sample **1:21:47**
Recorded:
**4:33:32**
